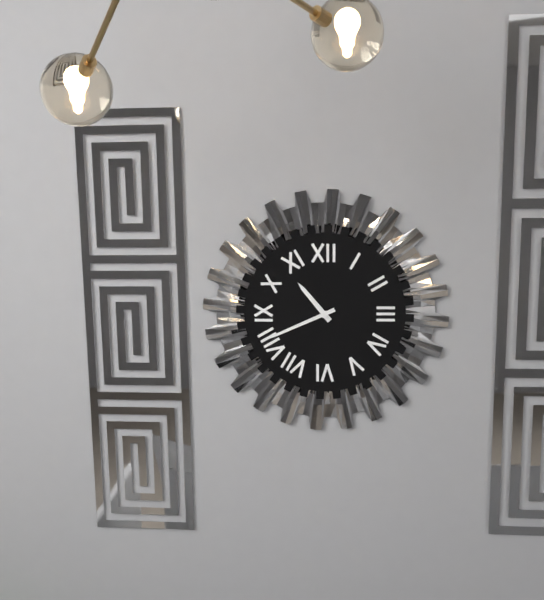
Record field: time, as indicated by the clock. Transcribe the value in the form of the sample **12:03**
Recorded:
**10:41**
